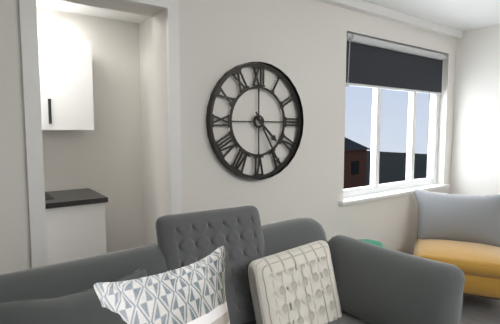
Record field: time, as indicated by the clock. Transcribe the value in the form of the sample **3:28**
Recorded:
**4:25**
